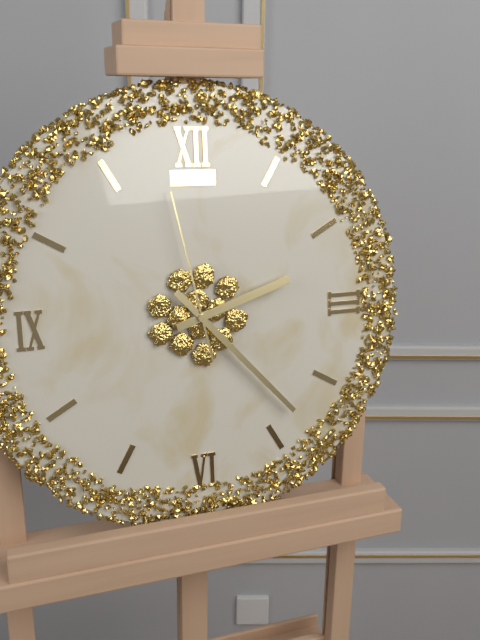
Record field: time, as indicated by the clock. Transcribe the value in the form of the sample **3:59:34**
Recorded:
**2:23:58**
